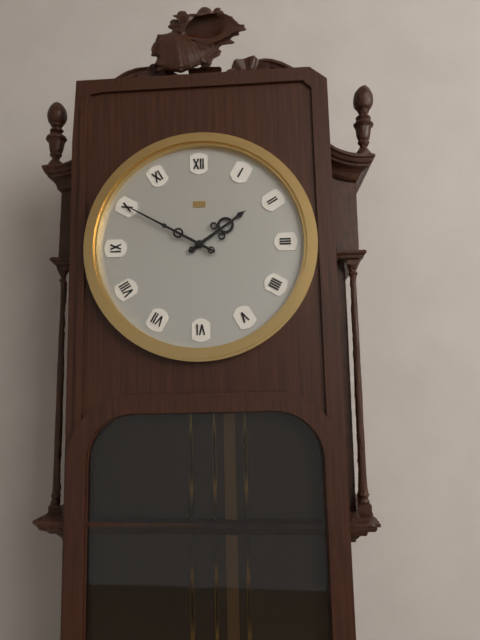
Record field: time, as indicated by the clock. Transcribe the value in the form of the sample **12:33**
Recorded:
**1:50**
